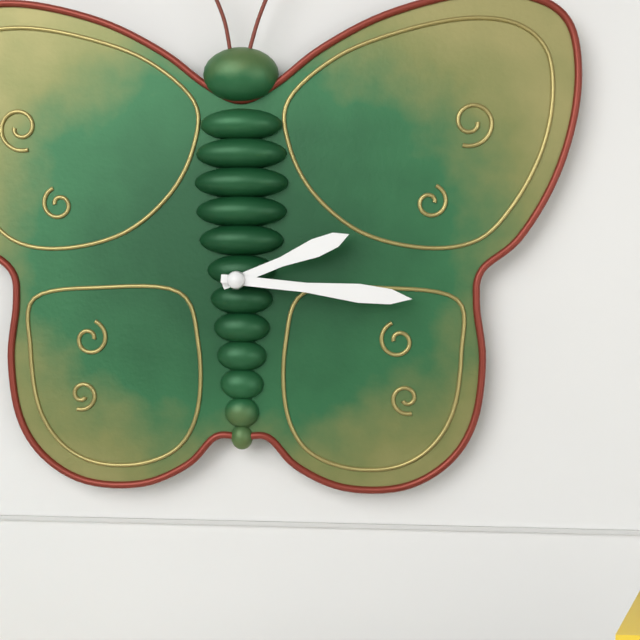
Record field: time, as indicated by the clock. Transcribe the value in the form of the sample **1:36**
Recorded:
**2:16**
